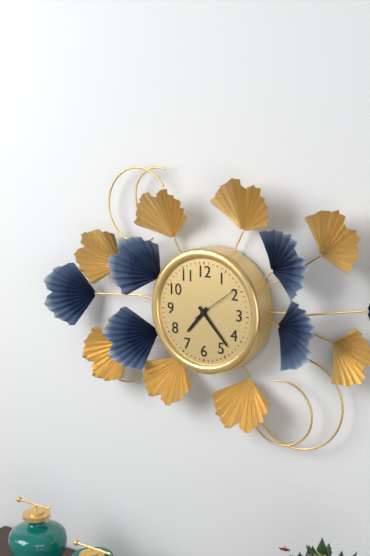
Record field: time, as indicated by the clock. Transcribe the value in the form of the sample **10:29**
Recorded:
**7:23**
